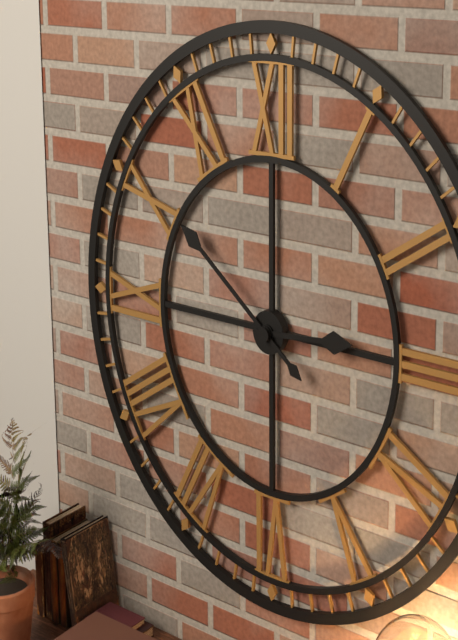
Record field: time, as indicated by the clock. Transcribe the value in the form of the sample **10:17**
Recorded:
**2:51**
